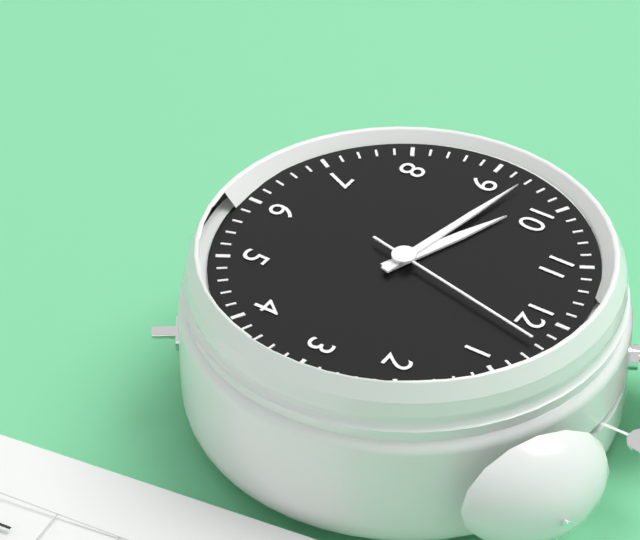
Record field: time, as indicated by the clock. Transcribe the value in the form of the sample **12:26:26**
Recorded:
**9:47:02**
